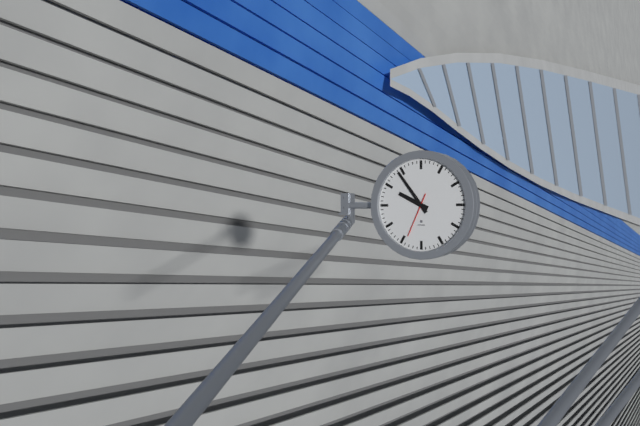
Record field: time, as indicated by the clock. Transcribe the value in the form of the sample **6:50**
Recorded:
**9:54**
